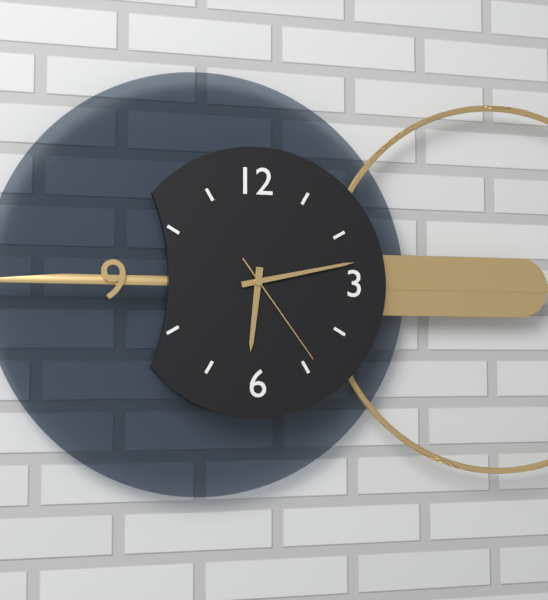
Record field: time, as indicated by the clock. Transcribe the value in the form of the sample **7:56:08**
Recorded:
**6:13:24**
